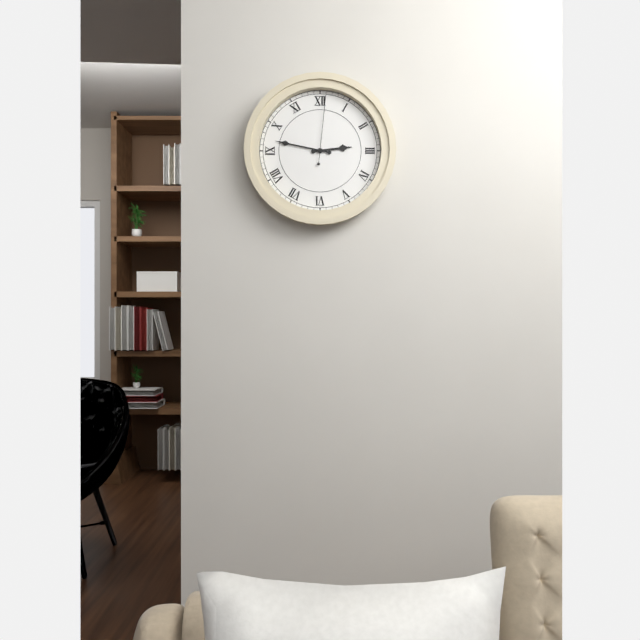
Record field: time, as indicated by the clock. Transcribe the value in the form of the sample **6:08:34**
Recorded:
**2:47:01**
